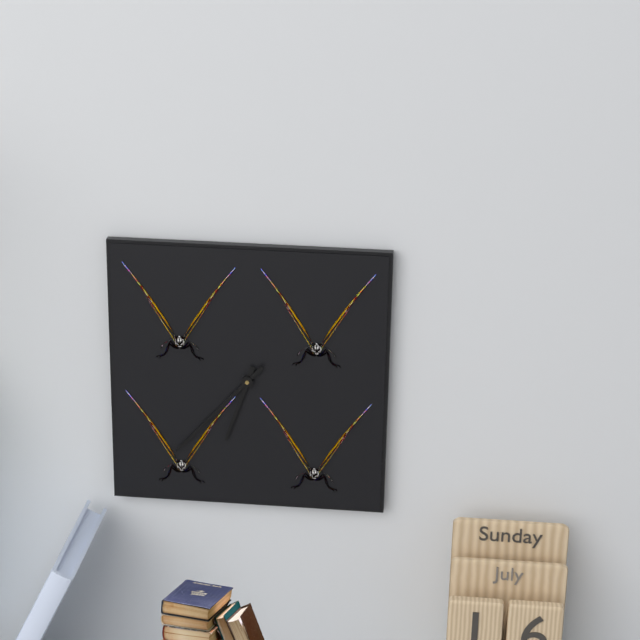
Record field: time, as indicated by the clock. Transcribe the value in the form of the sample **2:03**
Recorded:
**6:37**
